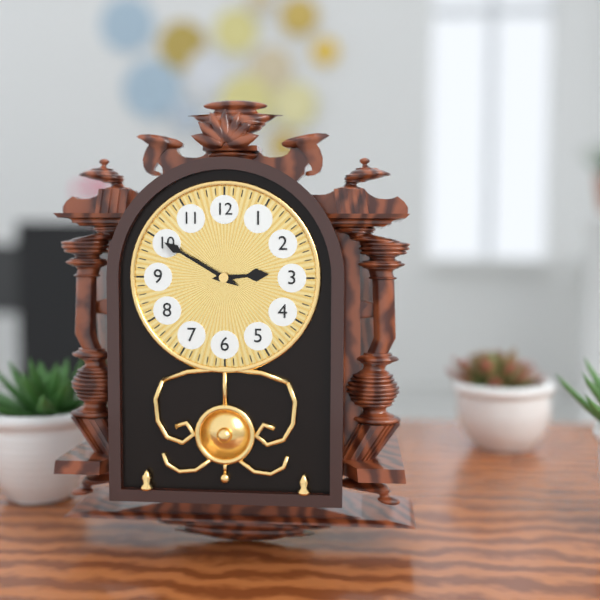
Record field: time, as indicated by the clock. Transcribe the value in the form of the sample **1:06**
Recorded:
**2:50**
